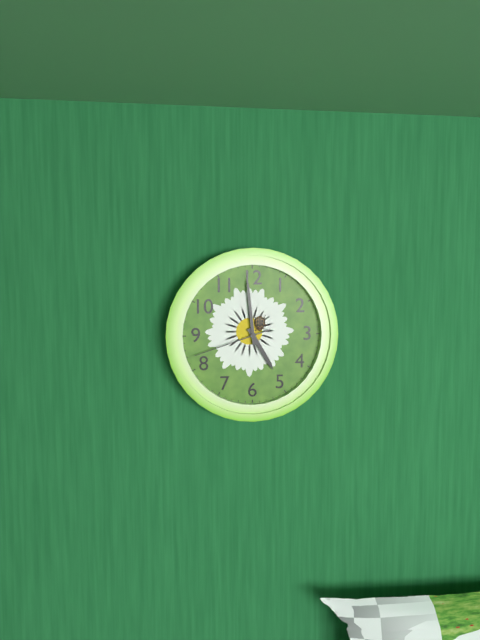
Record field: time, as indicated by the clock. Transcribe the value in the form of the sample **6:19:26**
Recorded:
**4:59:42**
